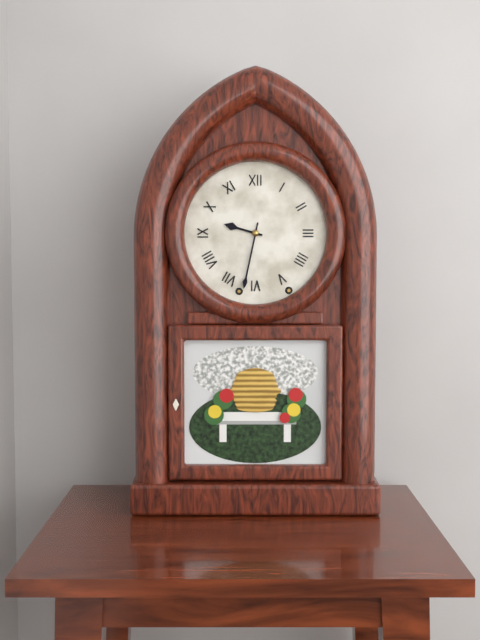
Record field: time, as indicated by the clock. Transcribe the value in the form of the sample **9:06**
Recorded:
**9:32**
